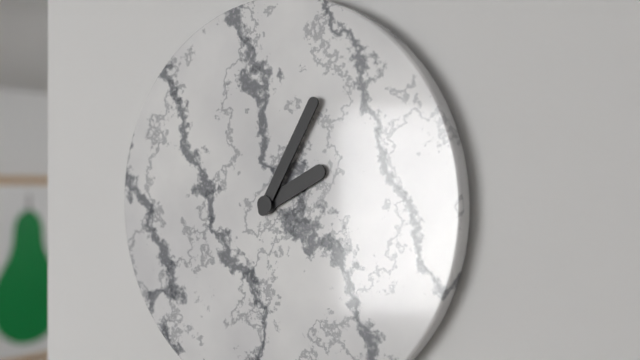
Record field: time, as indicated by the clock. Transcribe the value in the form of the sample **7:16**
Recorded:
**2:05**
